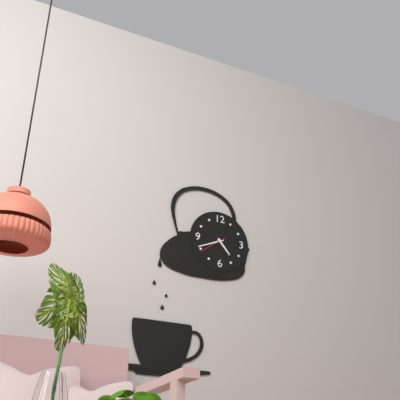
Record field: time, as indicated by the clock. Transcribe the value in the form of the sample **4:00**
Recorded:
**4:41**
